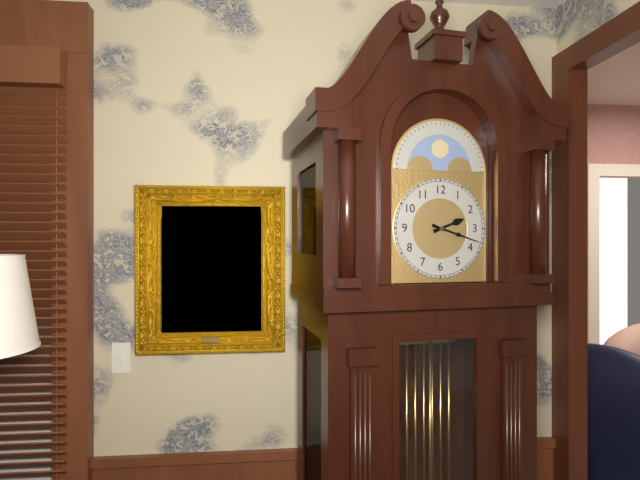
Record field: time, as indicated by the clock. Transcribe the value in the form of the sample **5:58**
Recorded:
**2:18**
